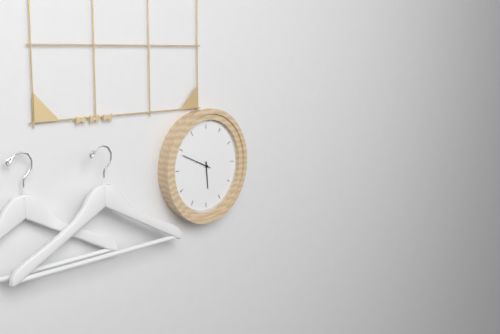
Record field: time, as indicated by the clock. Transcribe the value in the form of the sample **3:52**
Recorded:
**5:49**
